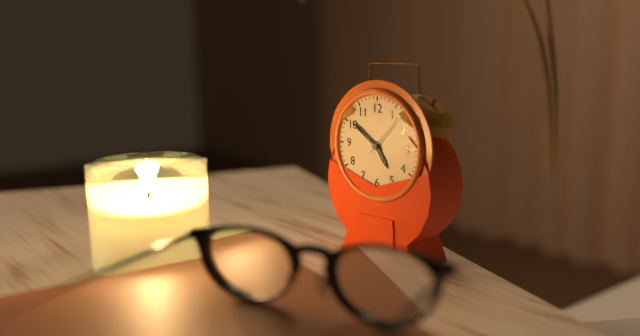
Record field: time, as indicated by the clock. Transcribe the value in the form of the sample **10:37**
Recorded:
**4:51**
